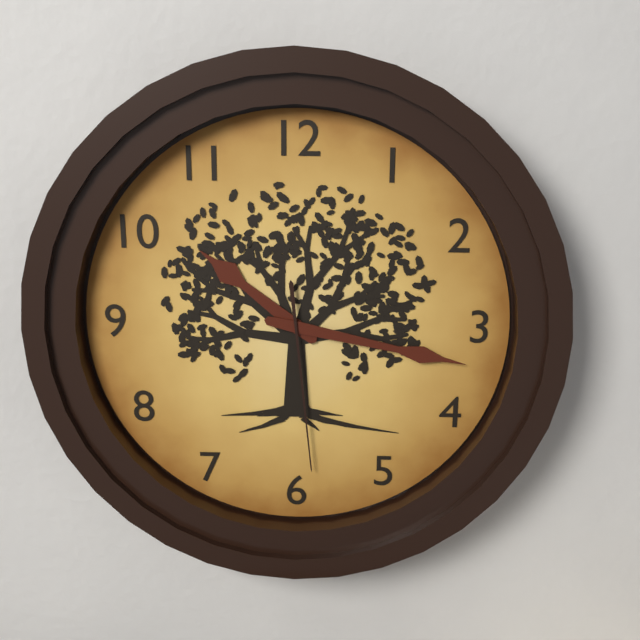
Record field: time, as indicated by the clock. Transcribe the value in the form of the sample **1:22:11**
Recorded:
**10:17:29**
